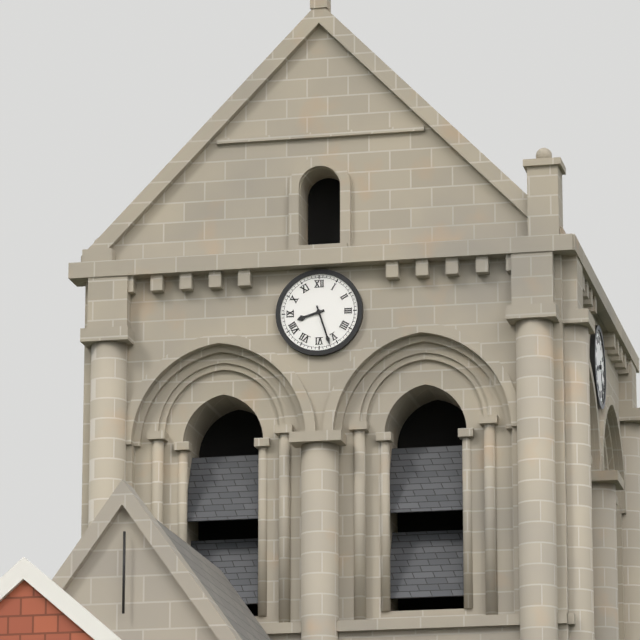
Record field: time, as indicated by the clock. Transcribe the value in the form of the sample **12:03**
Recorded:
**8:27**
